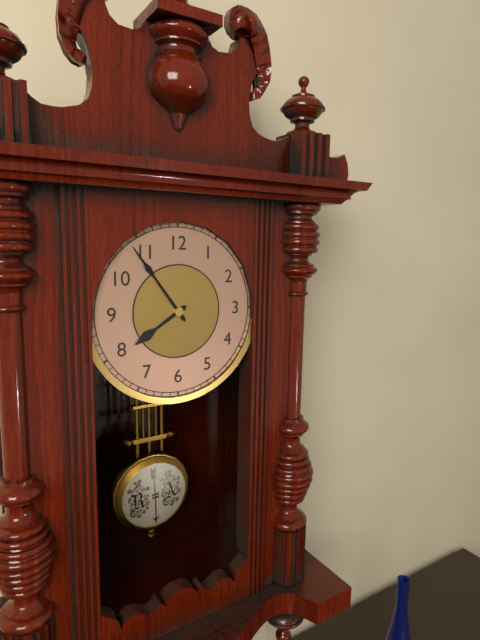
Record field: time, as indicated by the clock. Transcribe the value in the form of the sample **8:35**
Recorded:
**7:54**
